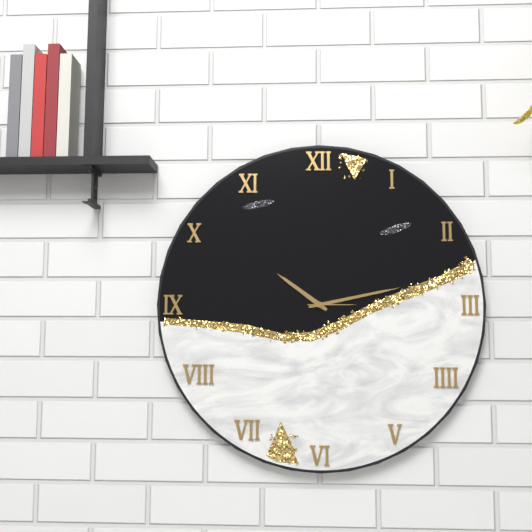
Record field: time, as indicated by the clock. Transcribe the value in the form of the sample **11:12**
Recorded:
**10:13**
